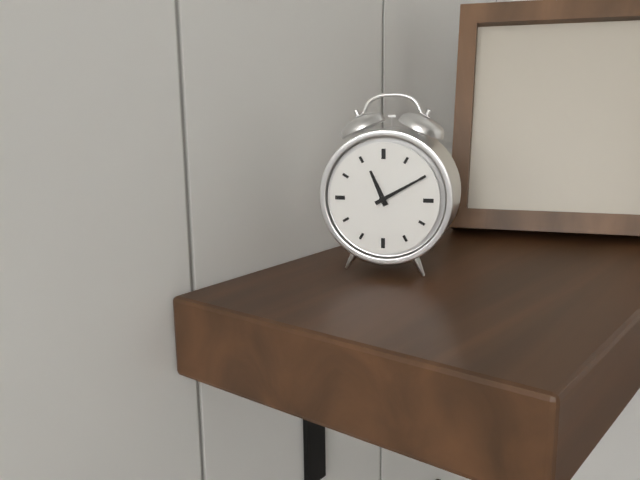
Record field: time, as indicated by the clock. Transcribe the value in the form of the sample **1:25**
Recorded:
**11:10**
